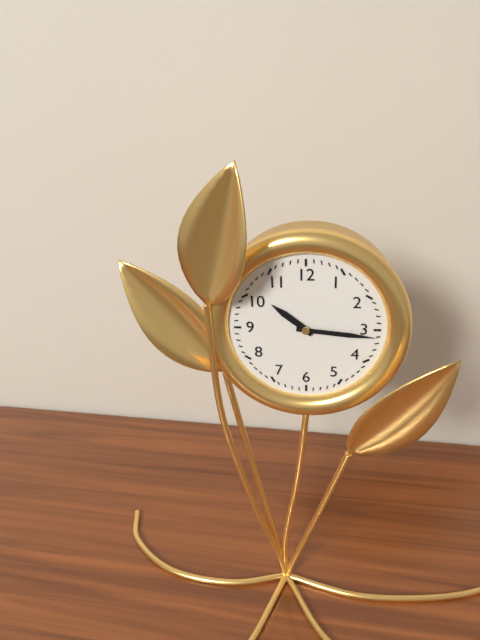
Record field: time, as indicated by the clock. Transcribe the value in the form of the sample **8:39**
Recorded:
**10:16**
